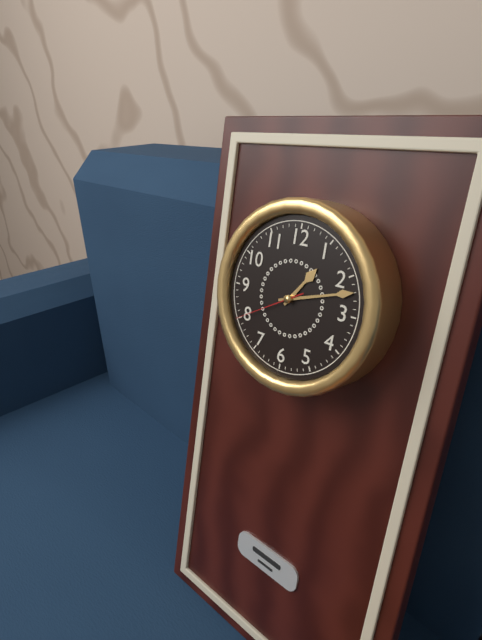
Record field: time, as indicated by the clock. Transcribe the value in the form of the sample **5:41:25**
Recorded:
**1:12:40**
